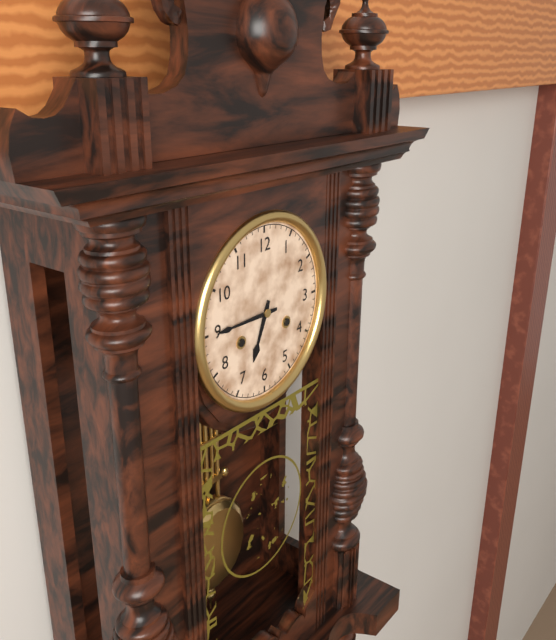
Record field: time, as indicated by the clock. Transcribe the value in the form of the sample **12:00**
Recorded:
**6:45**
